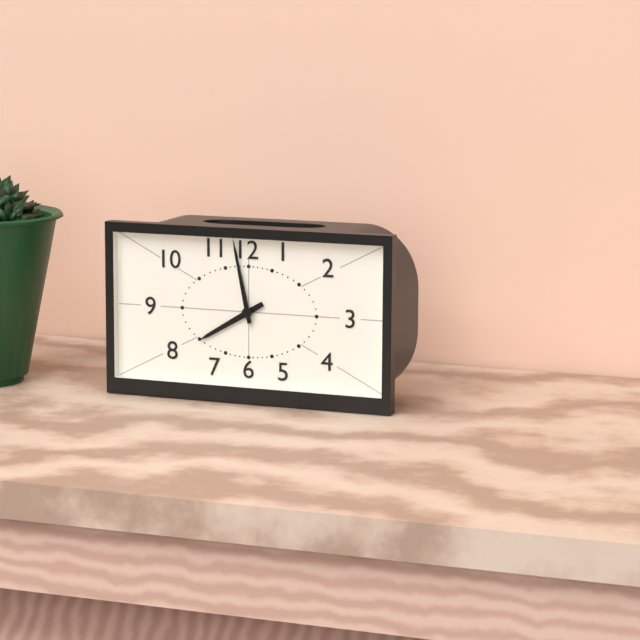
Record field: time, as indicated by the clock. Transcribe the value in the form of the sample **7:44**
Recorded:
**7:58**
